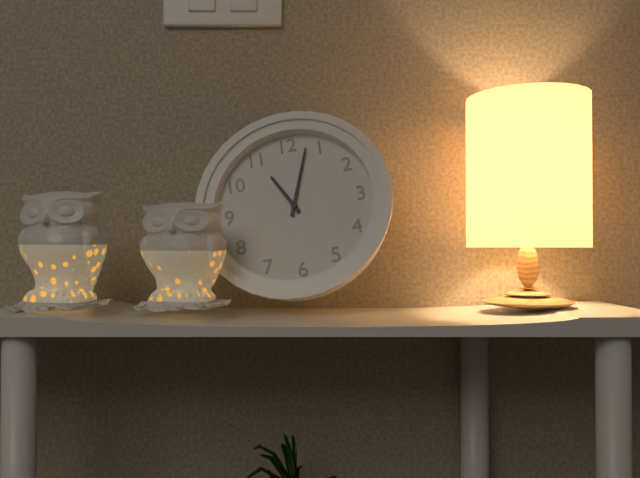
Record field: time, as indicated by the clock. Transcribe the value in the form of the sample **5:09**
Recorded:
**11:03**
